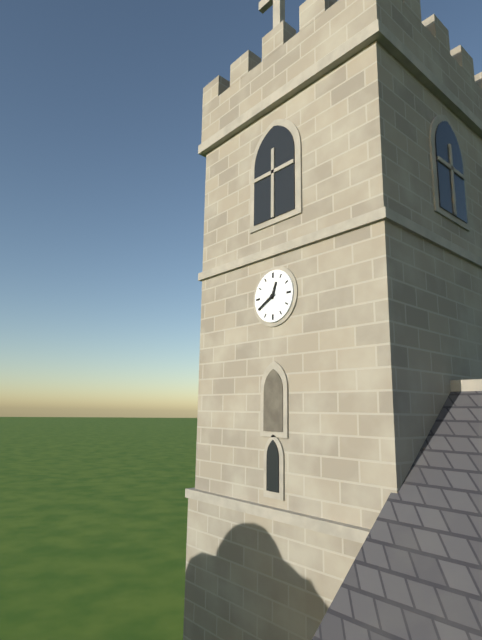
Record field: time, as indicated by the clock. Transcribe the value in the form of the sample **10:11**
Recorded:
**12:40**
